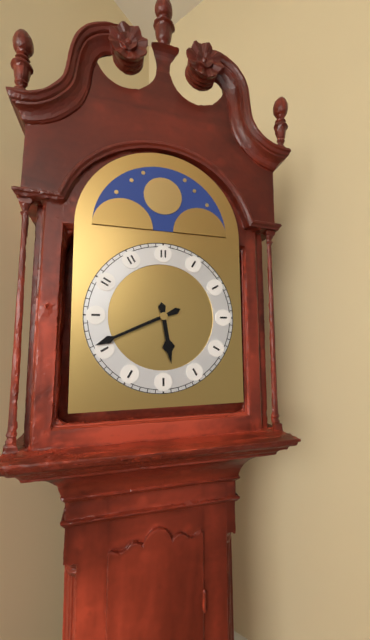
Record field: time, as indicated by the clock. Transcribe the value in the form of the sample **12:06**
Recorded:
**5:41**
